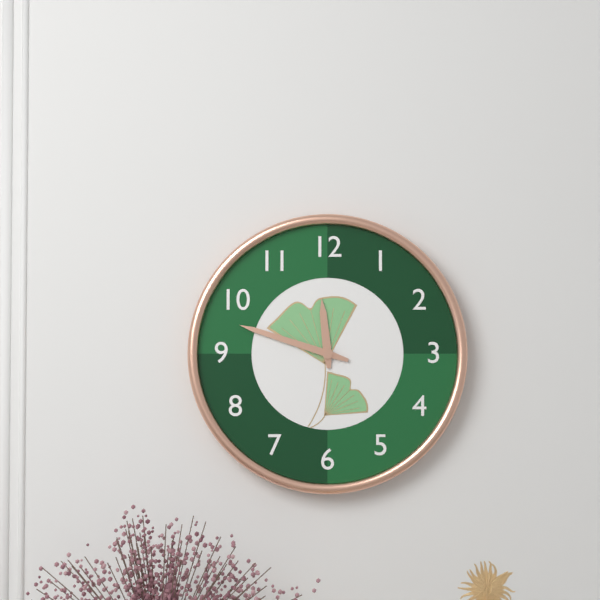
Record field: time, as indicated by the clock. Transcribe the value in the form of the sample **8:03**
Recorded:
**11:48**
